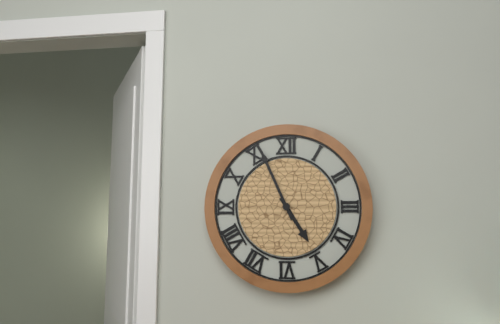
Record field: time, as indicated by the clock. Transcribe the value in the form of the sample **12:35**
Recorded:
**4:56**
